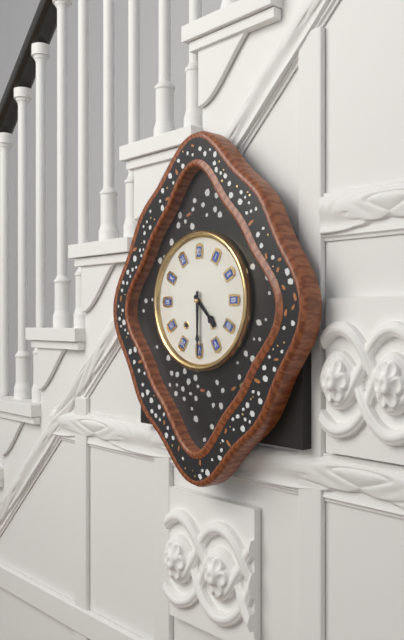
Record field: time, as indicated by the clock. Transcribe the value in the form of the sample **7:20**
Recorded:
**4:30**
